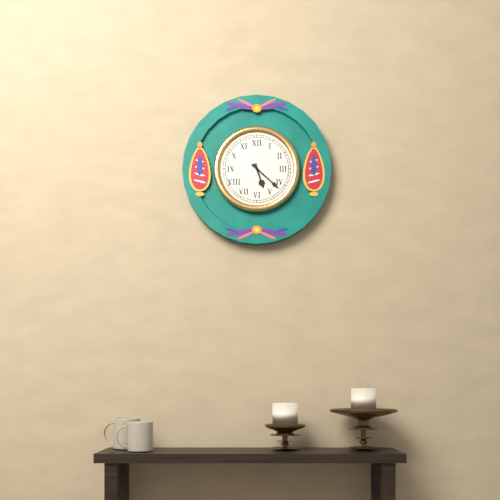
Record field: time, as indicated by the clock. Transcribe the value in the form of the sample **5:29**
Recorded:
**5:22**
